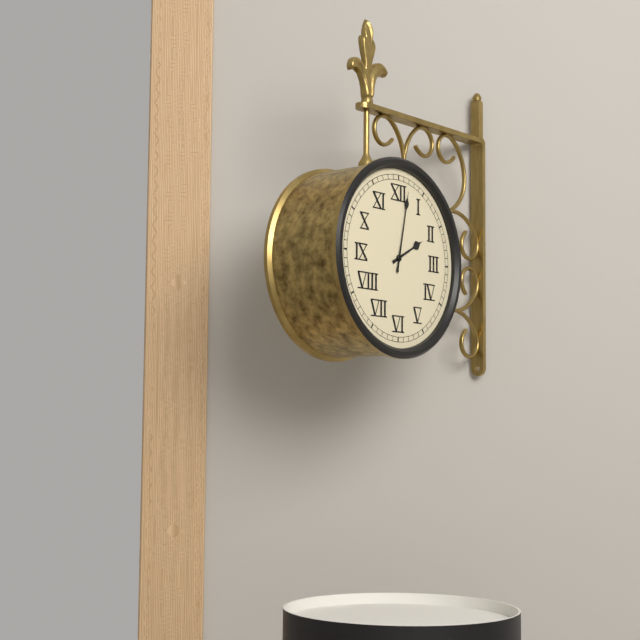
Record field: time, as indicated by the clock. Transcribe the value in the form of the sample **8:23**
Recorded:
**2:02**
